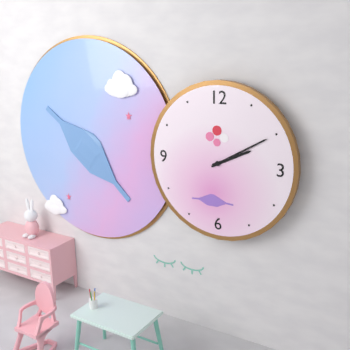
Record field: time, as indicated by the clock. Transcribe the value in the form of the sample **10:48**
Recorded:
**2:10**
